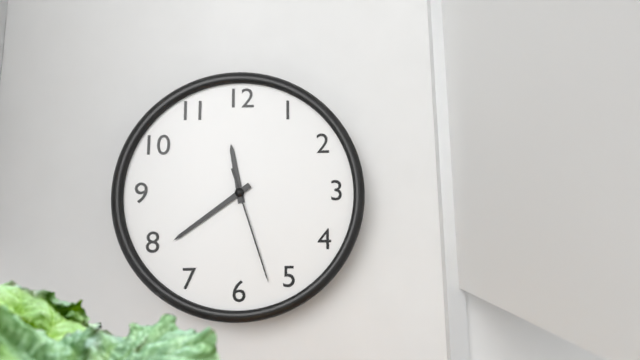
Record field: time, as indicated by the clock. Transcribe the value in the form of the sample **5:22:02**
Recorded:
**11:39:27**
